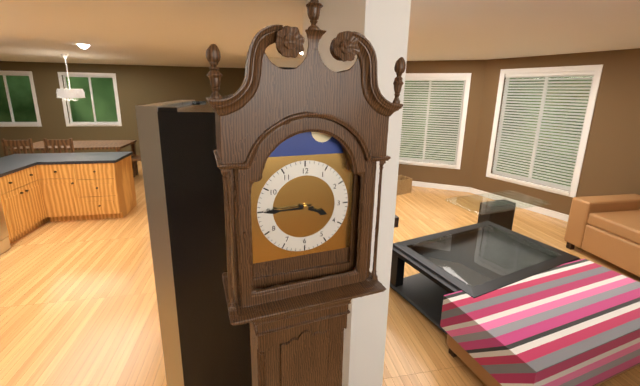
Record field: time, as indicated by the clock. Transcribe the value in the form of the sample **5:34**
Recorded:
**3:45**
